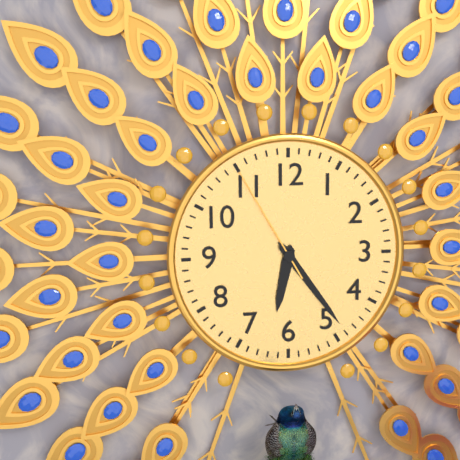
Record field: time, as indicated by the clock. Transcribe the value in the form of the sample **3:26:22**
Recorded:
**6:24:55**
